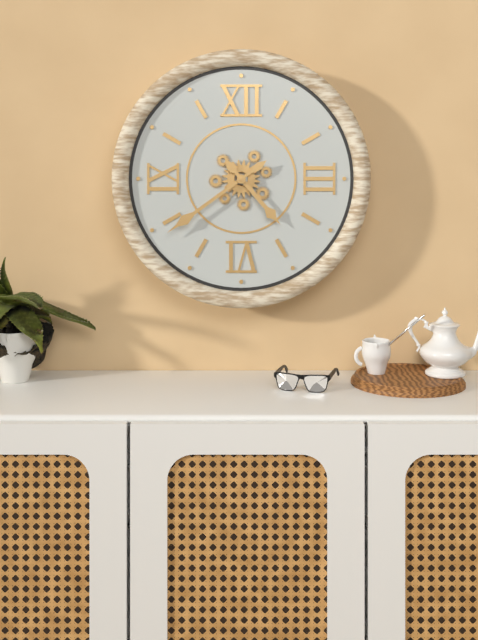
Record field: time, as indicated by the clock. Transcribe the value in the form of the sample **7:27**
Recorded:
**4:39**
